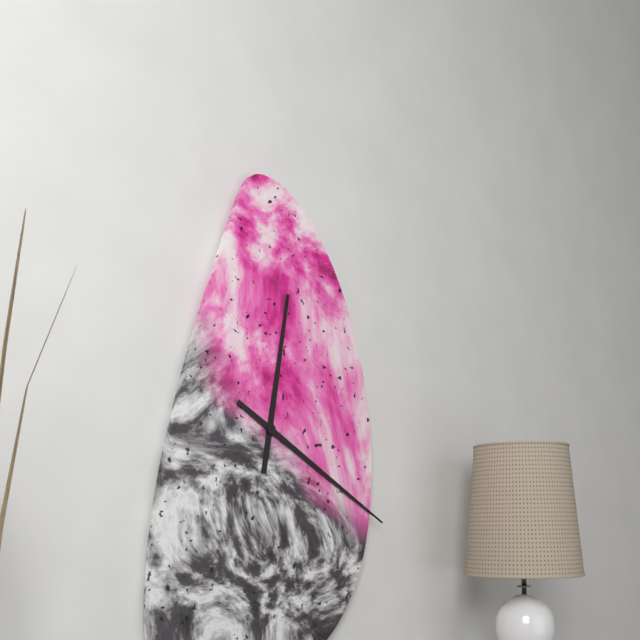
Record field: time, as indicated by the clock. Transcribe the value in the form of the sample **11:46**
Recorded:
**12:20**
